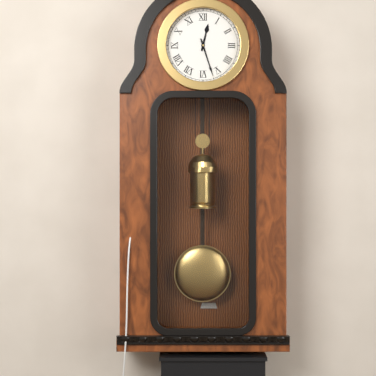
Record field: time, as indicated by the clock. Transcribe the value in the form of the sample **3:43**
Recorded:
**12:27**
